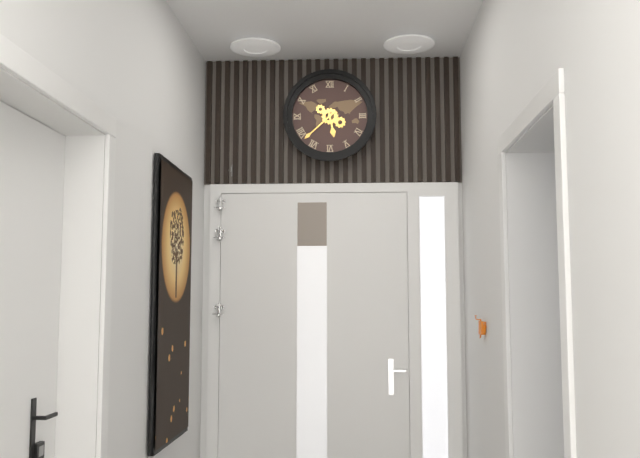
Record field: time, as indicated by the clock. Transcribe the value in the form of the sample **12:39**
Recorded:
**5:38**
